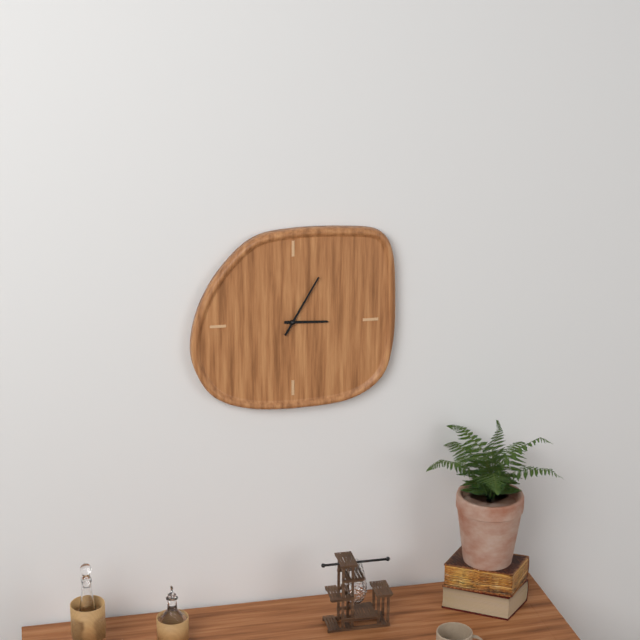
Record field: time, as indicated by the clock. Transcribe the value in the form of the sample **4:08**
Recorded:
**3:05**
